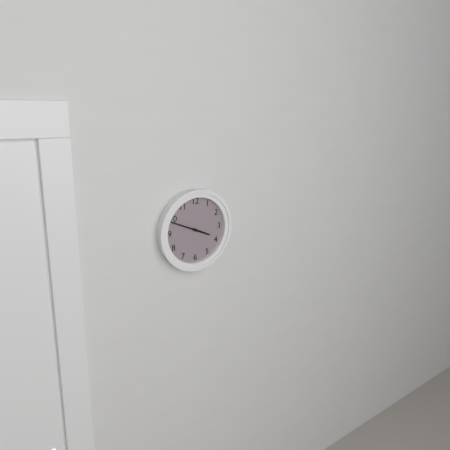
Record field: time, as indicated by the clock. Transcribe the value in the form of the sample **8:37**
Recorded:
**3:49**
